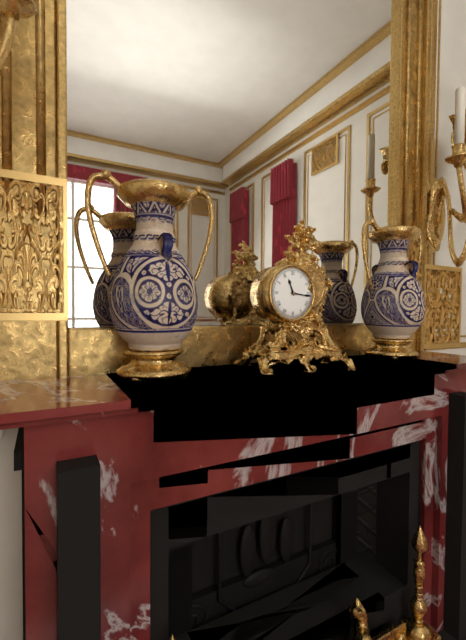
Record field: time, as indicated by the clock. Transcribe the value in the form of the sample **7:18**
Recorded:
**11:16**
